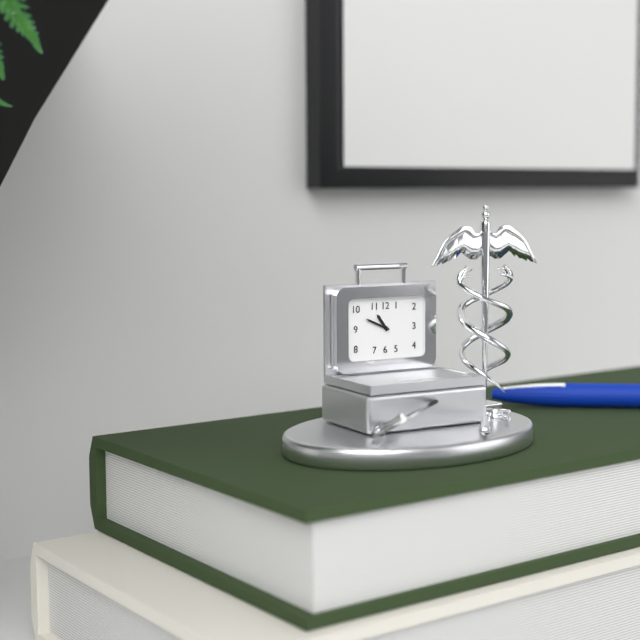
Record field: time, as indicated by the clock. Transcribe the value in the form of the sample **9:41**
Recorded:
**10:49**
